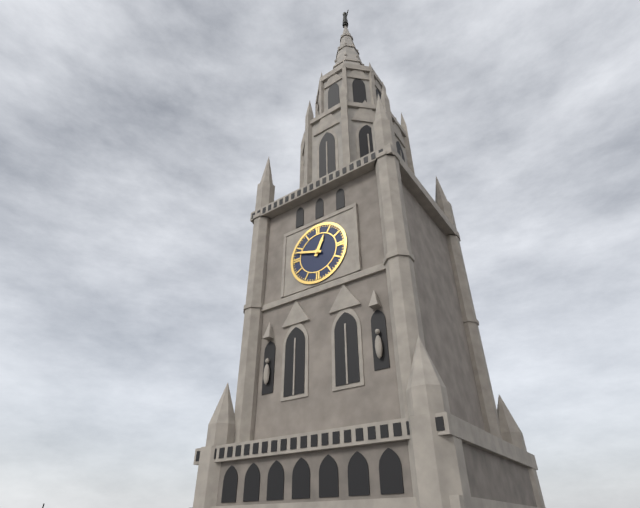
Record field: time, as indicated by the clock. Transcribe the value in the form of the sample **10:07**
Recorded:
**12:48**
